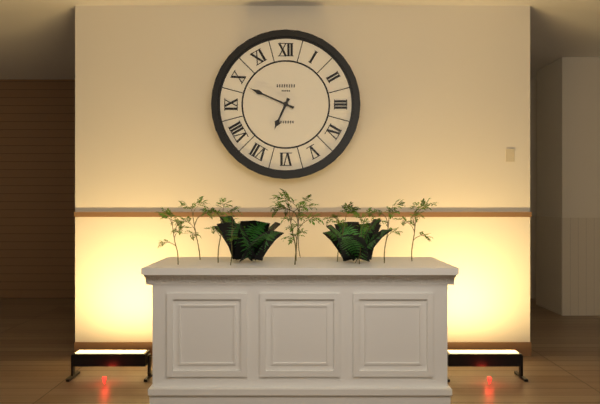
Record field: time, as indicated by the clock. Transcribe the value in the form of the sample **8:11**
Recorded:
**6:49**
